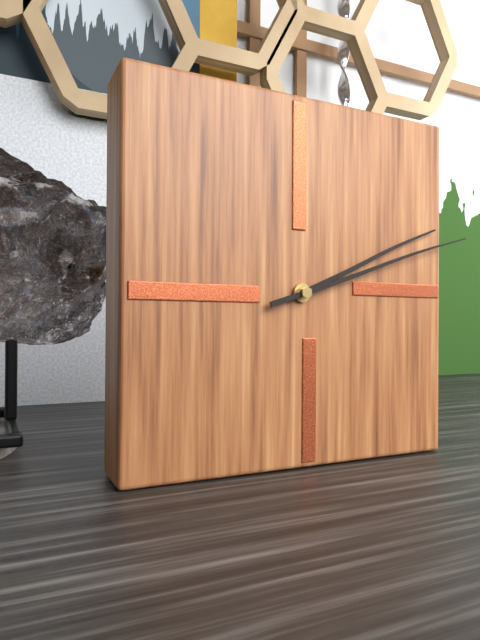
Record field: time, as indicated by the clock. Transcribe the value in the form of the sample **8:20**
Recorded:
**2:12**
